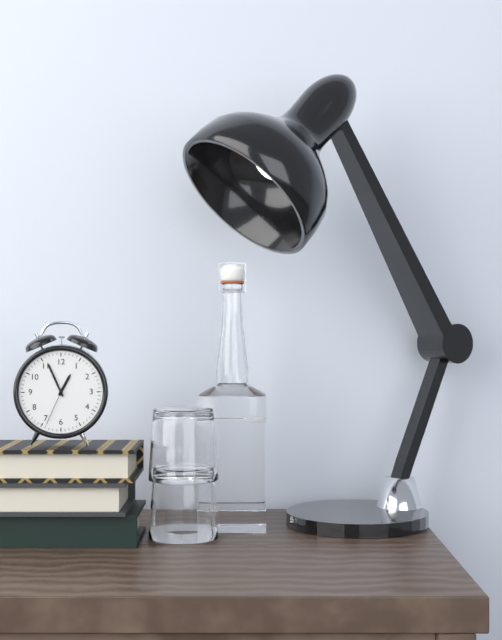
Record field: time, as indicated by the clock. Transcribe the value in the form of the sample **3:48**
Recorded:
**12:56**
